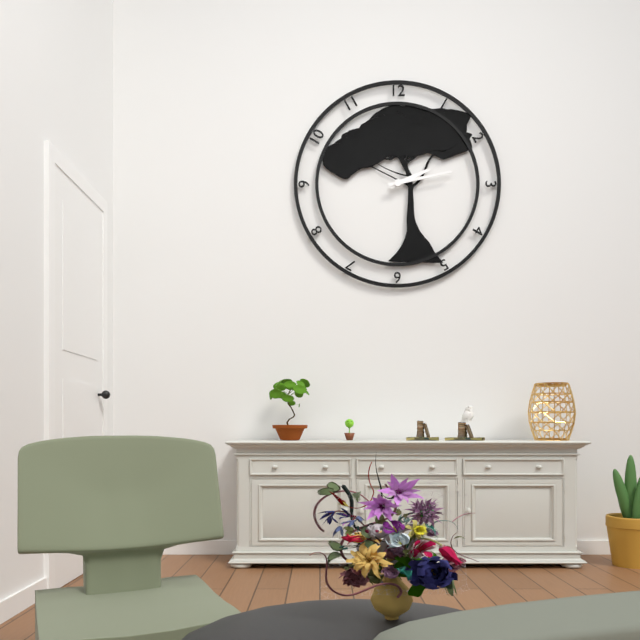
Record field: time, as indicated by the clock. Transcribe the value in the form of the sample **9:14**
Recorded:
**2:13**
